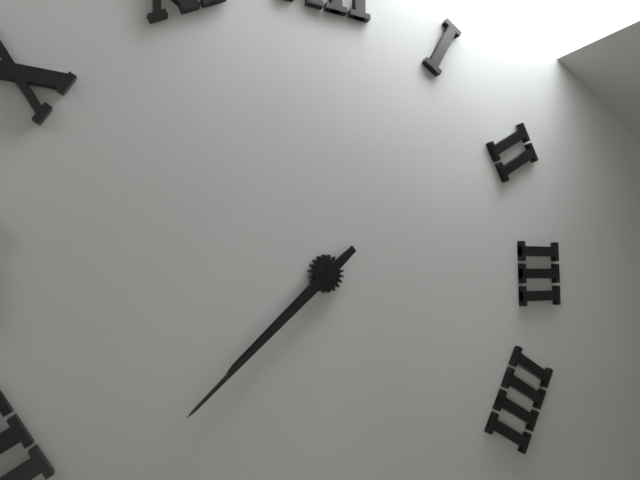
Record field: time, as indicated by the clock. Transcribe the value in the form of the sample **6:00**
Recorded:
**7:38**
